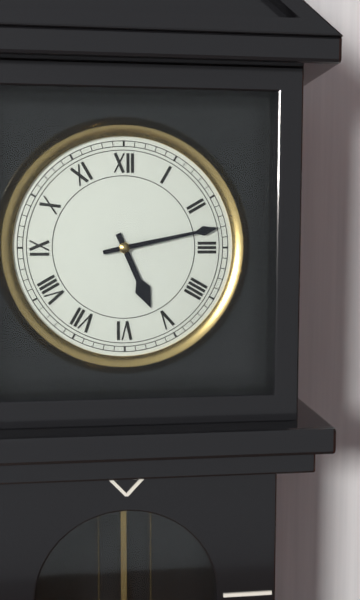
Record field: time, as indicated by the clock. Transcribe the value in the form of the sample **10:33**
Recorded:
**5:13**
